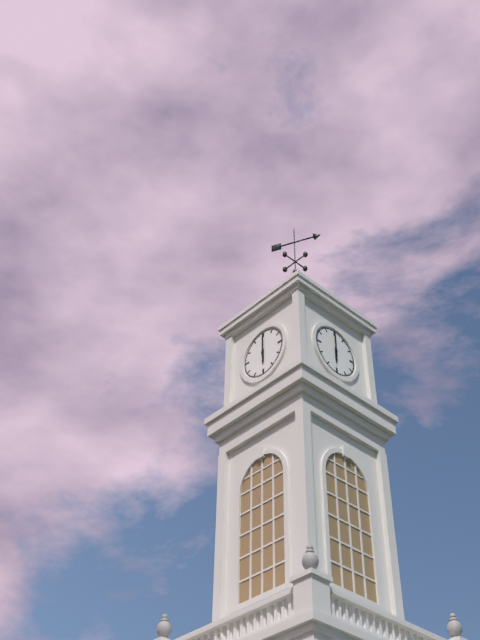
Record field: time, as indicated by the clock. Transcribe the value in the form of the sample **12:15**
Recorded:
**6:00**
